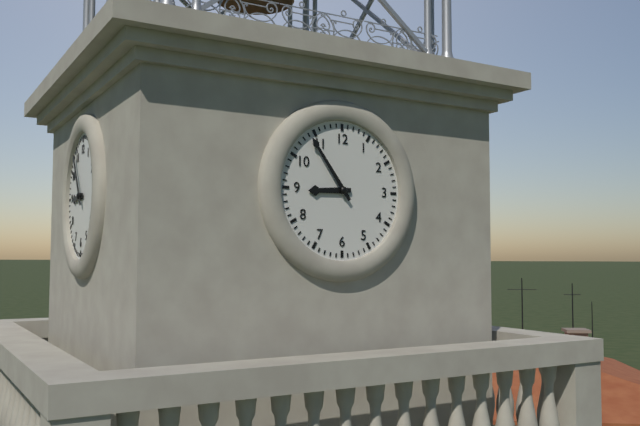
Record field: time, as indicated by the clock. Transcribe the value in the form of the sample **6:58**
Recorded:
**8:54**
